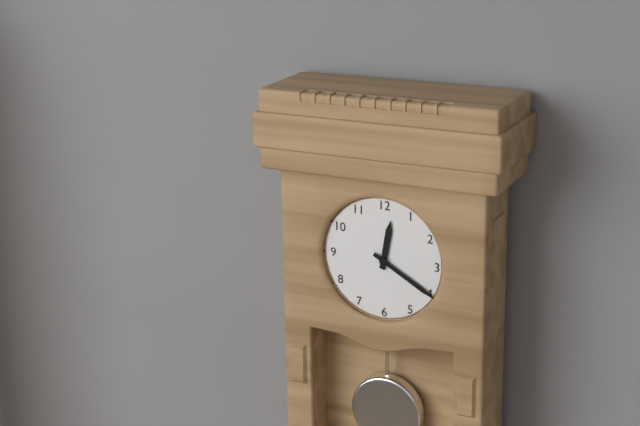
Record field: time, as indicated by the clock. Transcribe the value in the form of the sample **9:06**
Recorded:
**12:20**
